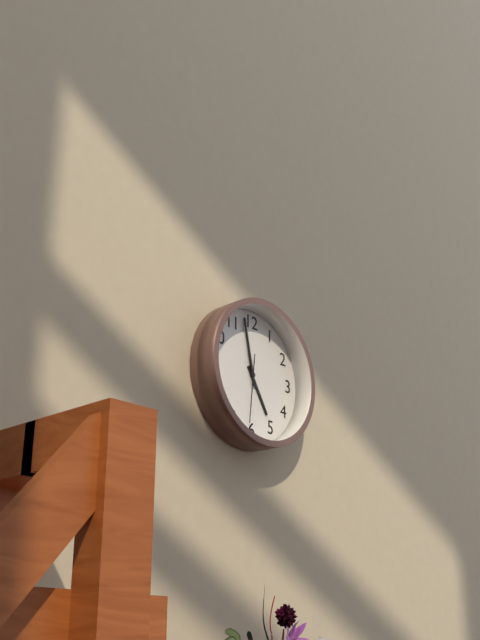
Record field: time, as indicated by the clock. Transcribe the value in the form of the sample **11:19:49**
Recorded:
**4:58:31**
